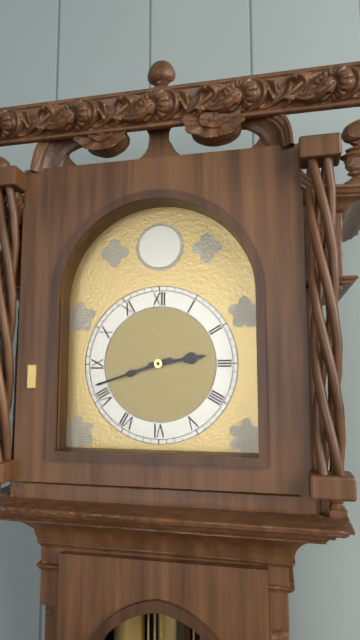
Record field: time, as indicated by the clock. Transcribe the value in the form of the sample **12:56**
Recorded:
**2:42**
